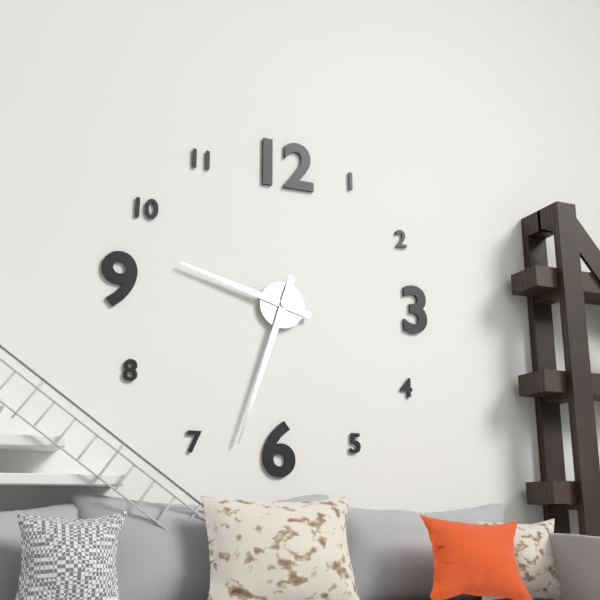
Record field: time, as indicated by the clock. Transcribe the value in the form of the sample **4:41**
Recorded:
**9:33**
